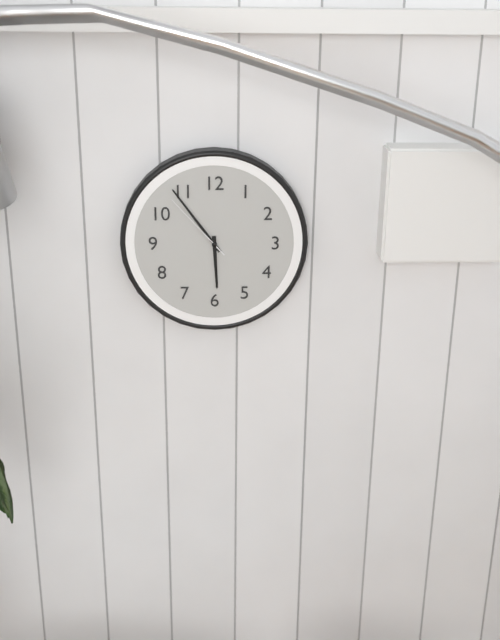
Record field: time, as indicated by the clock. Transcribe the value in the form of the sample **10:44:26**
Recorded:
**5:54:53**
